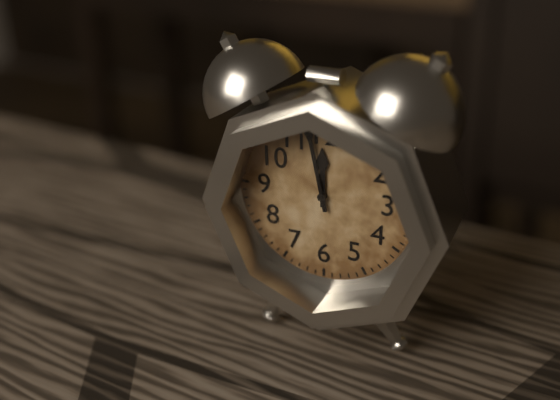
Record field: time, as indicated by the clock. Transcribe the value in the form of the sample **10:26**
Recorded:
**11:58**
